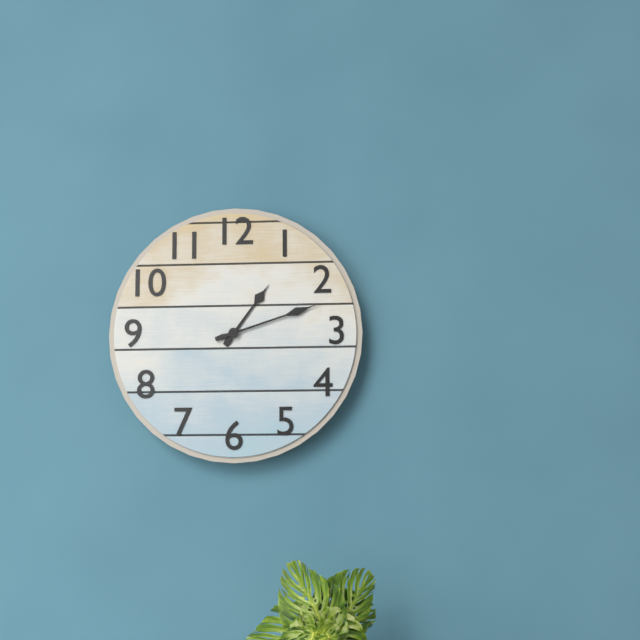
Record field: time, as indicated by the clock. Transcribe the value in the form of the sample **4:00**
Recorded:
**1:12**
